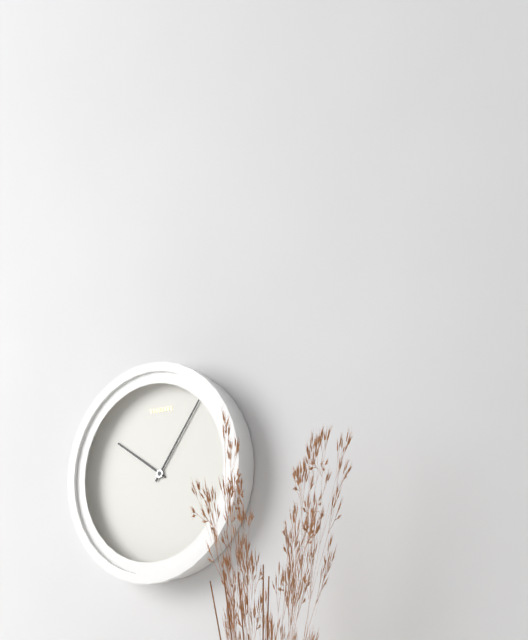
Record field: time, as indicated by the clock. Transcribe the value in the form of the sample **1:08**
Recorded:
**10:06**
